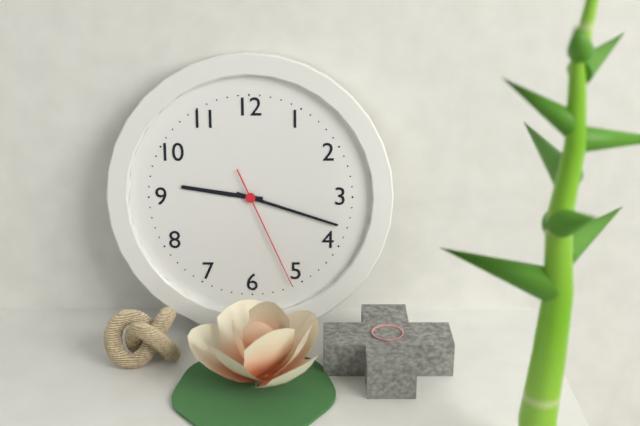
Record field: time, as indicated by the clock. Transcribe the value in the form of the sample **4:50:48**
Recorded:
**9:18:26**
